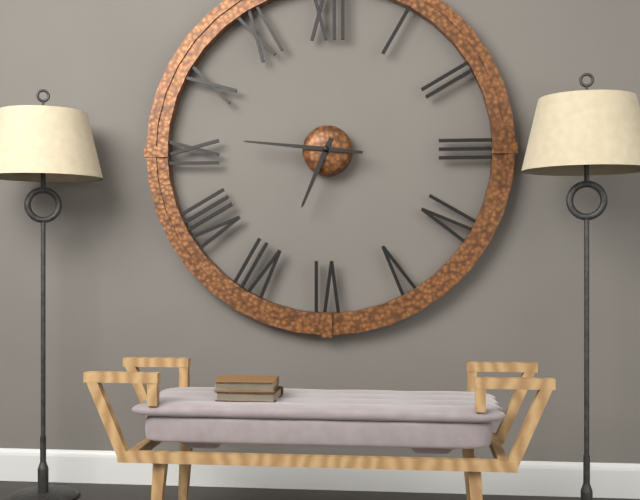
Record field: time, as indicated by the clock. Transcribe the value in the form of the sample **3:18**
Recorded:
**6:46**
